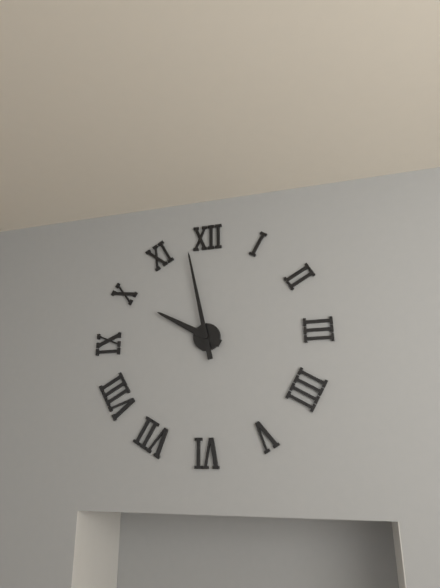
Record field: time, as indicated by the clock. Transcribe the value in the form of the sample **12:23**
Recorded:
**9:58**
